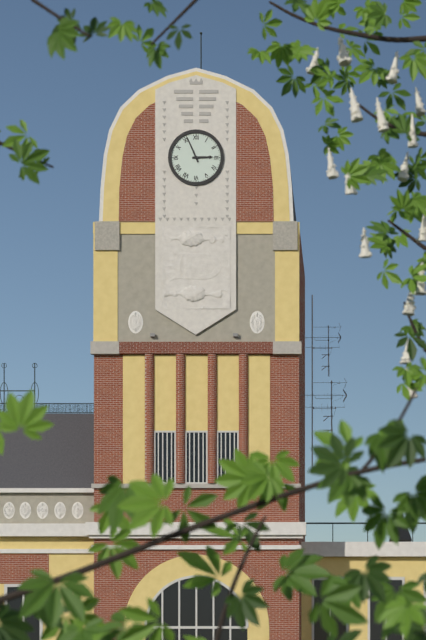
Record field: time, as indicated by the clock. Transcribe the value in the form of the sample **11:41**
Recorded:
**2:56**
